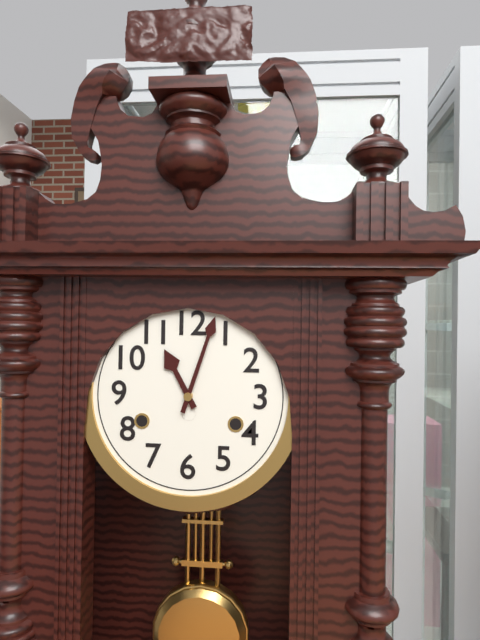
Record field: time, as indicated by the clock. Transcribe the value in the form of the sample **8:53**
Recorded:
**11:03**
